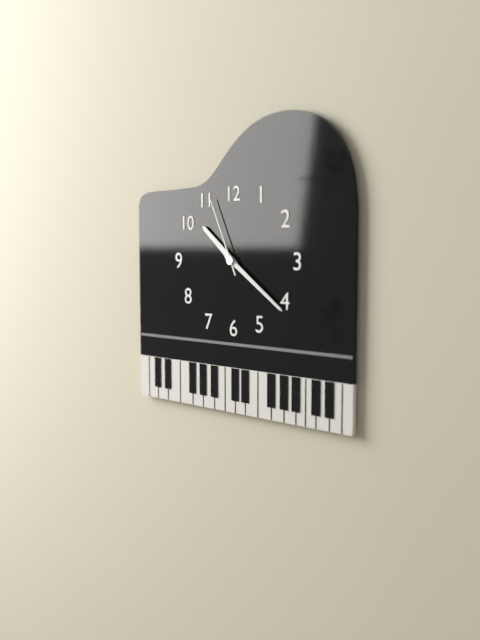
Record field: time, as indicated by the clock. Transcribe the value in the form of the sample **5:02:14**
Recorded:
**10:21:56**
